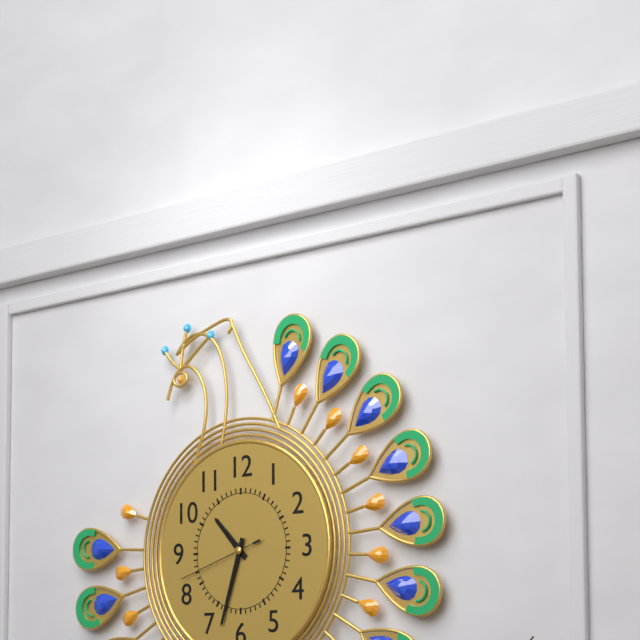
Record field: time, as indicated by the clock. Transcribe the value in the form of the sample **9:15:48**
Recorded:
**10:33:42**
